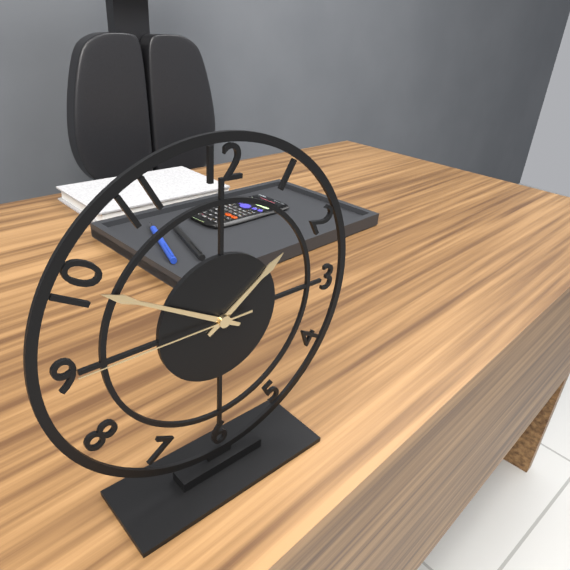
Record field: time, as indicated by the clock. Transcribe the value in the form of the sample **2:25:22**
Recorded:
**1:50:45**
